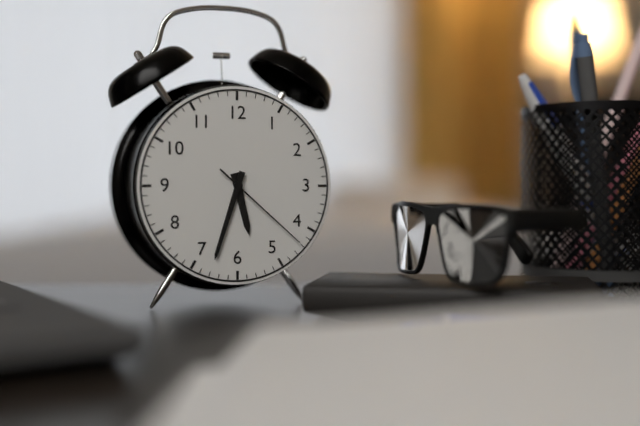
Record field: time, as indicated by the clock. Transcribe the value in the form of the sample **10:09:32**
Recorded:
**5:33:22**
